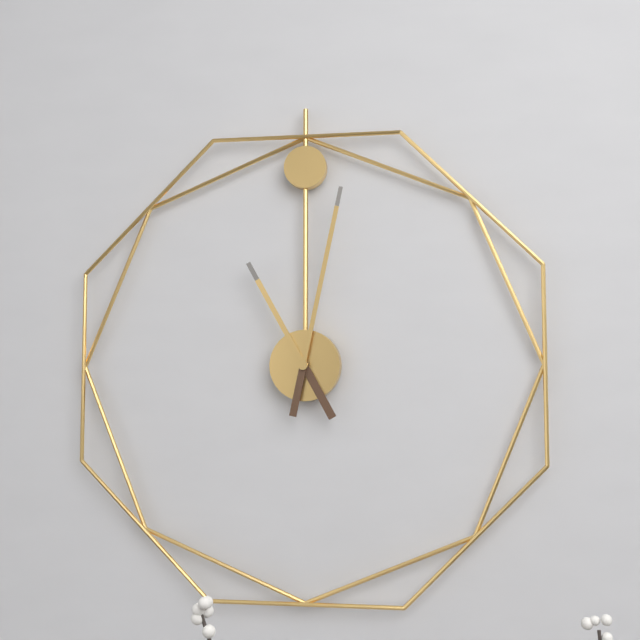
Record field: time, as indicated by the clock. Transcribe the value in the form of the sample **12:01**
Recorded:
**11:02**
